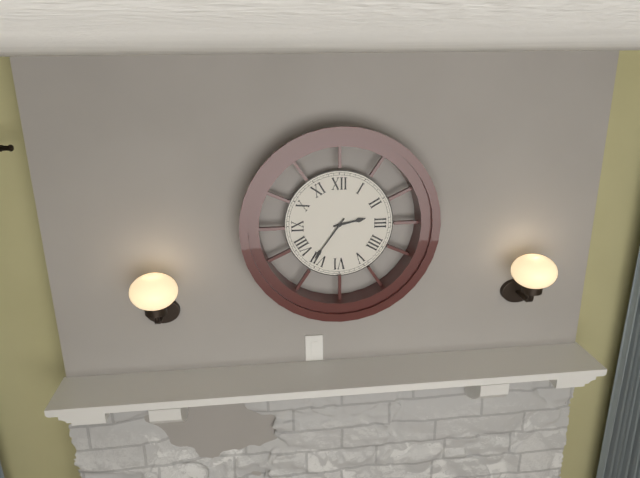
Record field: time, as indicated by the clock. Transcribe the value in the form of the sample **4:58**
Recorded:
**2:36**
